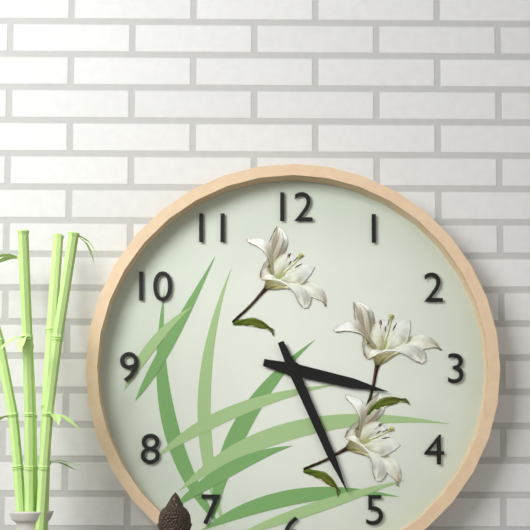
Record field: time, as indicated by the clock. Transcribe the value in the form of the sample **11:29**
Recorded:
**3:26**
